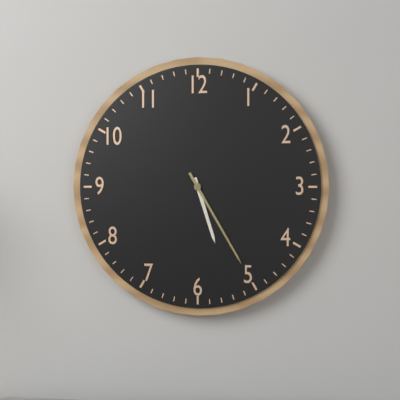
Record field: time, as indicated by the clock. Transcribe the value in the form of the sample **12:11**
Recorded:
**5:25**
